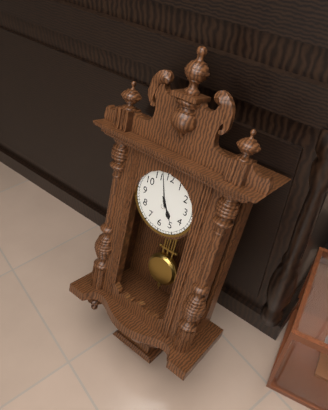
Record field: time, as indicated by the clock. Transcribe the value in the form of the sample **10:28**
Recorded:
**4:57**
